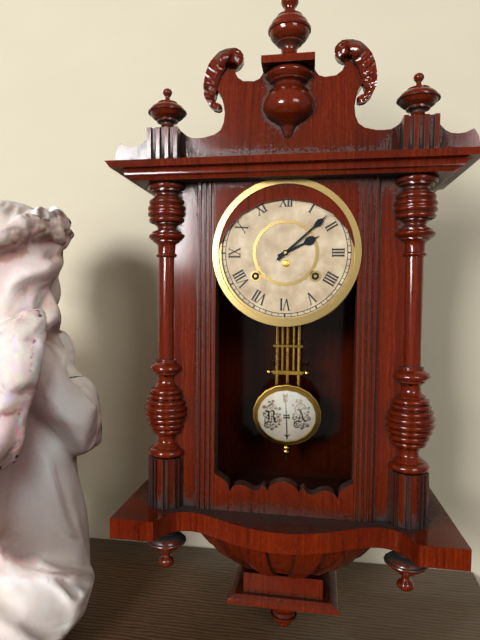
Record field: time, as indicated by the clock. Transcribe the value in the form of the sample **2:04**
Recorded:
**2:08**
